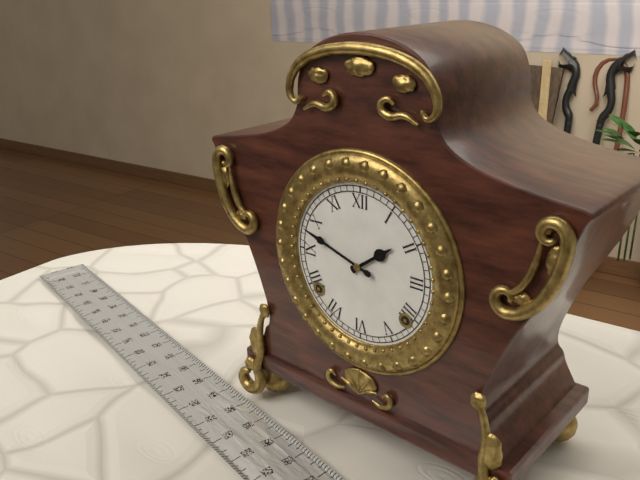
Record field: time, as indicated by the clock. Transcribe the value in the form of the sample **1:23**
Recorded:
**1:48**
